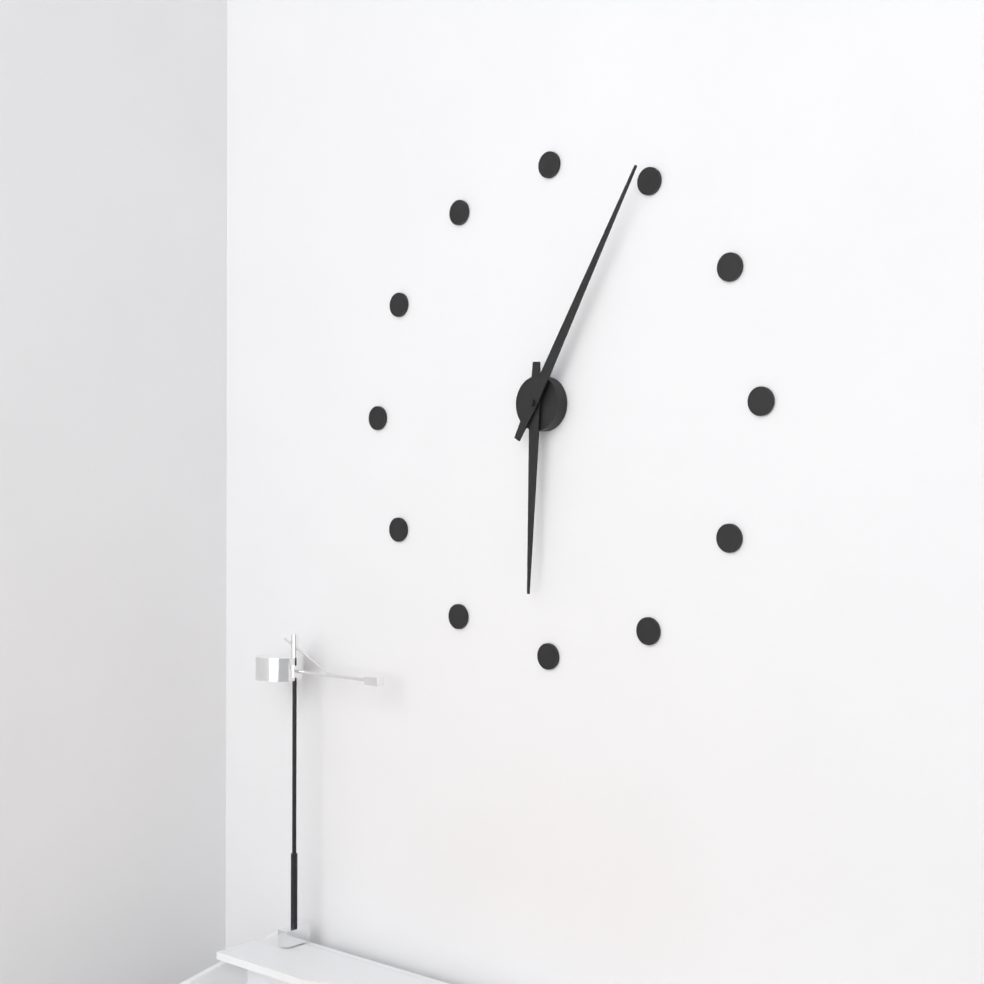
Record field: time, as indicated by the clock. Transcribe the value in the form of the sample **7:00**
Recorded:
**6:05**
